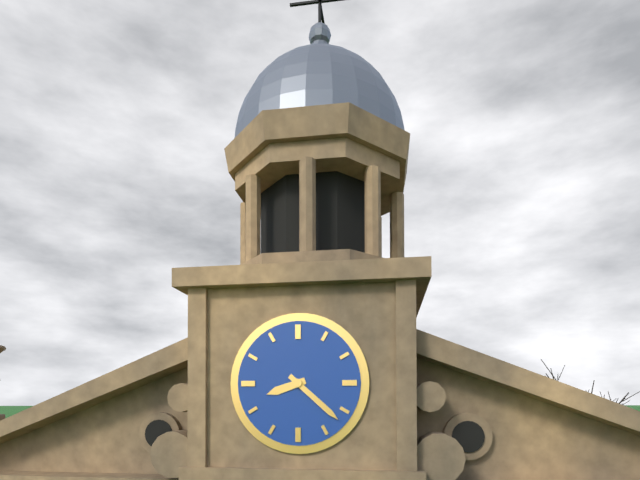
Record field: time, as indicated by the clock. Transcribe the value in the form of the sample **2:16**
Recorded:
**8:22**
